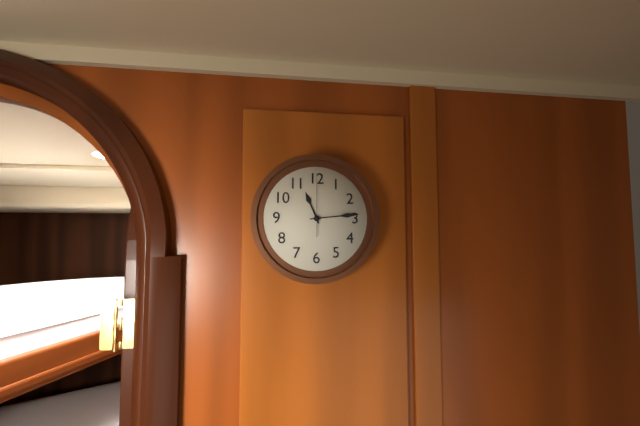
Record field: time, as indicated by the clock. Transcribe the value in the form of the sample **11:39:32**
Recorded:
**11:14:00**
